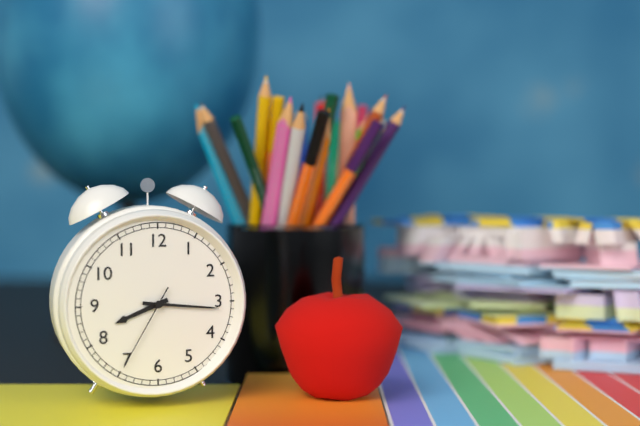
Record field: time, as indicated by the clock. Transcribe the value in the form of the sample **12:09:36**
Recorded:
**8:16:35**
